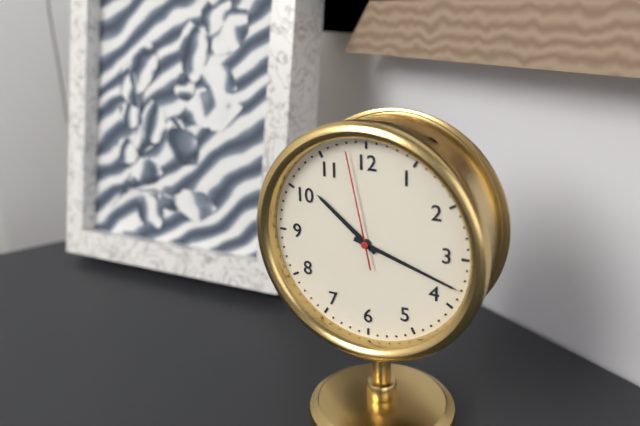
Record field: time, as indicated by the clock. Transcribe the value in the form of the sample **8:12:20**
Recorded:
**10:18:58**
